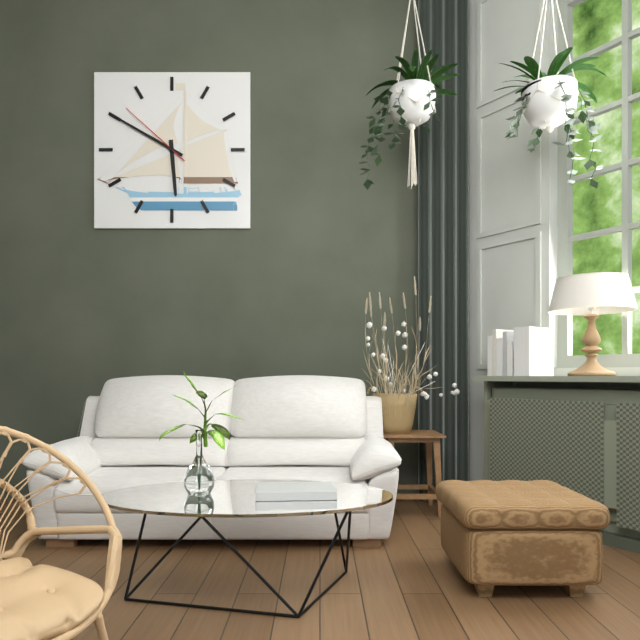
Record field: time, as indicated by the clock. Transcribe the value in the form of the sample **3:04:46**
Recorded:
**5:50:52**
